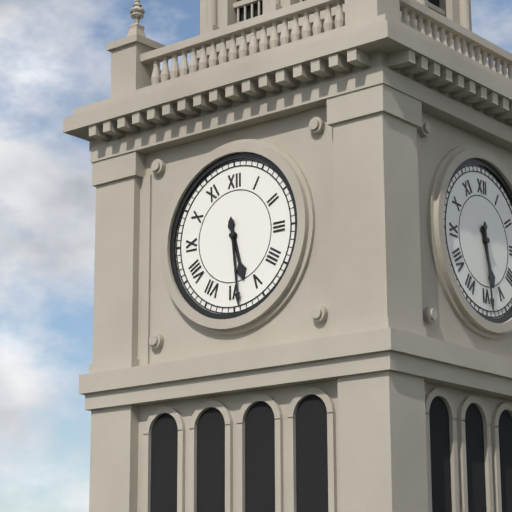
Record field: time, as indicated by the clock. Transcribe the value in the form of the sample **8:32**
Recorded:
**5:29**
